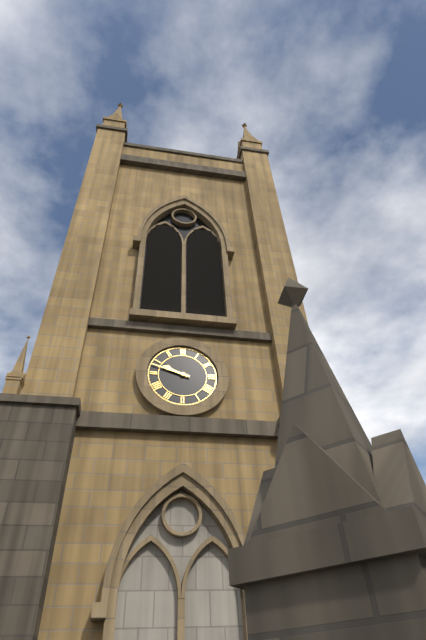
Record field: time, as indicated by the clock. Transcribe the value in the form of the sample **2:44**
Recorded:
**9:48**
